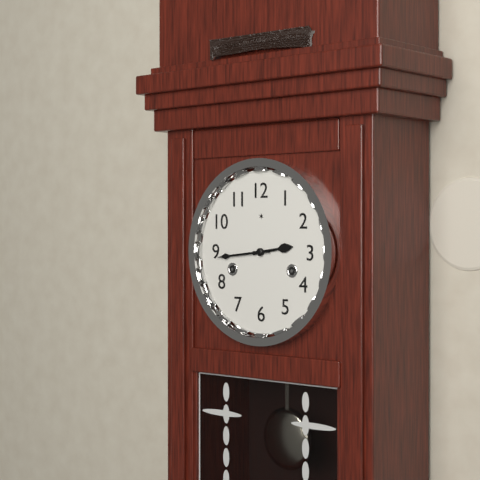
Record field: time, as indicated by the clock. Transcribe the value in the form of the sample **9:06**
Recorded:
**2:44**
